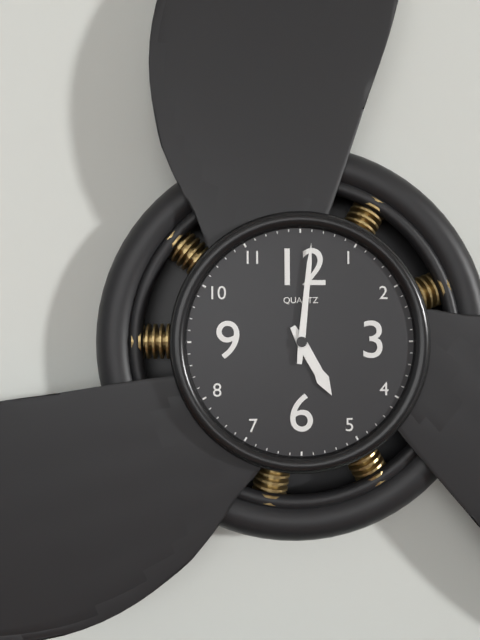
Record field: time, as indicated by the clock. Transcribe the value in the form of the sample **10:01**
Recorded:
**5:01**
